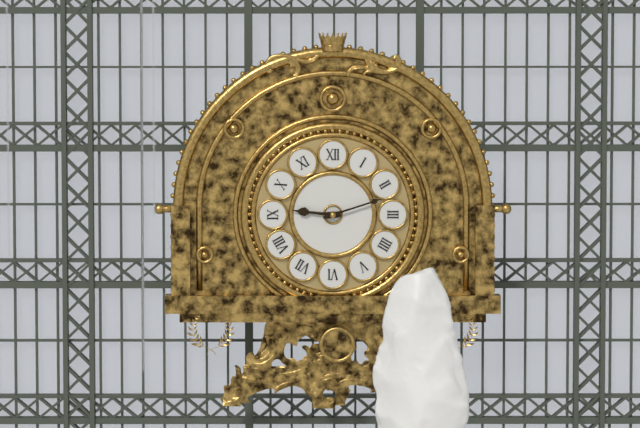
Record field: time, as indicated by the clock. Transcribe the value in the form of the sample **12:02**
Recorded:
**9:12**
